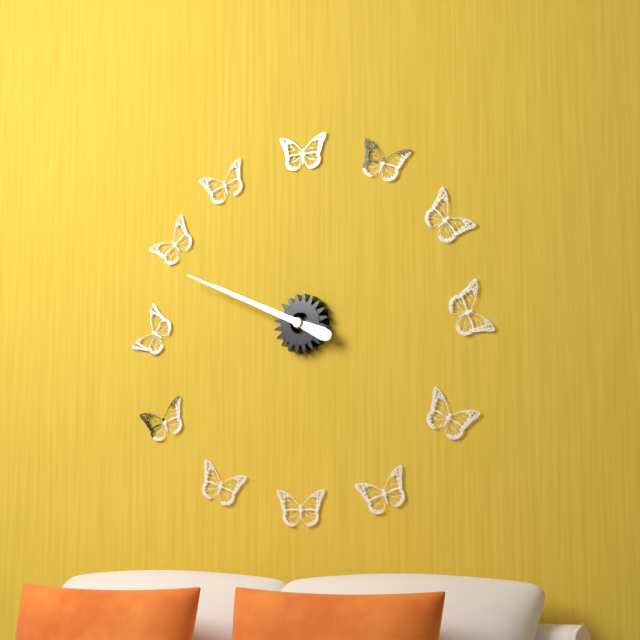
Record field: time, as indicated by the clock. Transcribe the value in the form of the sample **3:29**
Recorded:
**9:49**
